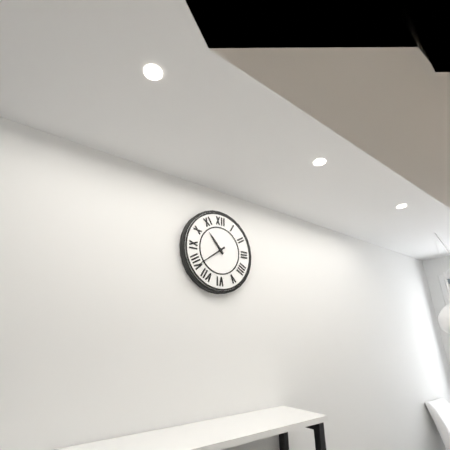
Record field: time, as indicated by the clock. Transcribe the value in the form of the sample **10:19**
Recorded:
**10:39**
